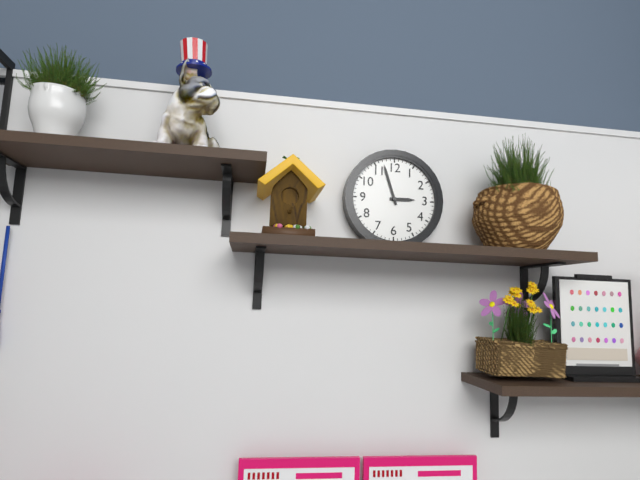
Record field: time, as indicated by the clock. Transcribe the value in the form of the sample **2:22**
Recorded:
**2:57**
